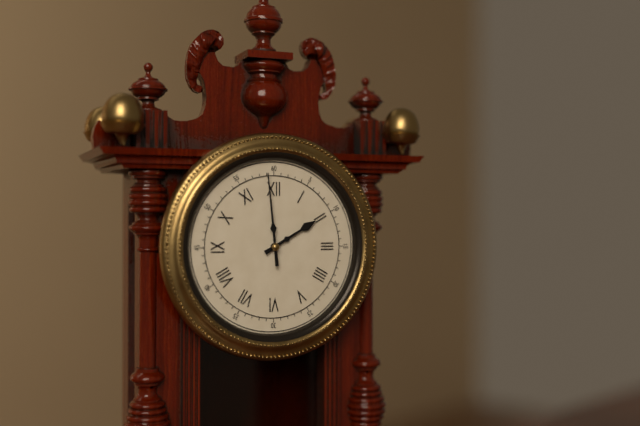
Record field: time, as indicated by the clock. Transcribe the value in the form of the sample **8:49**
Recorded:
**1:59**
